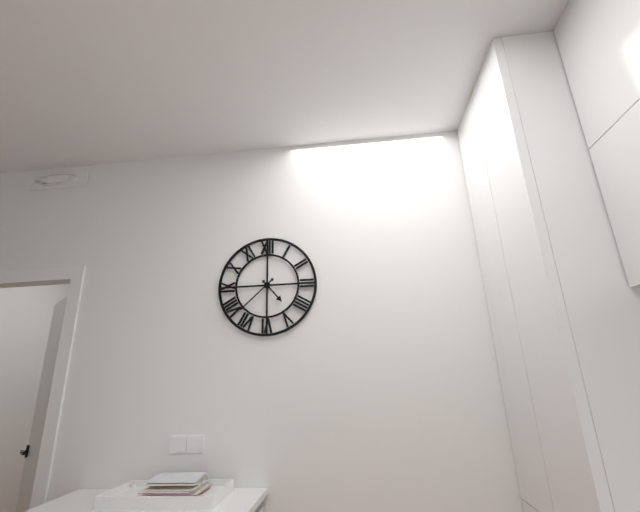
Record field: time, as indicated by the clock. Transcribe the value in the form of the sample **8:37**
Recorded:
**4:38**
